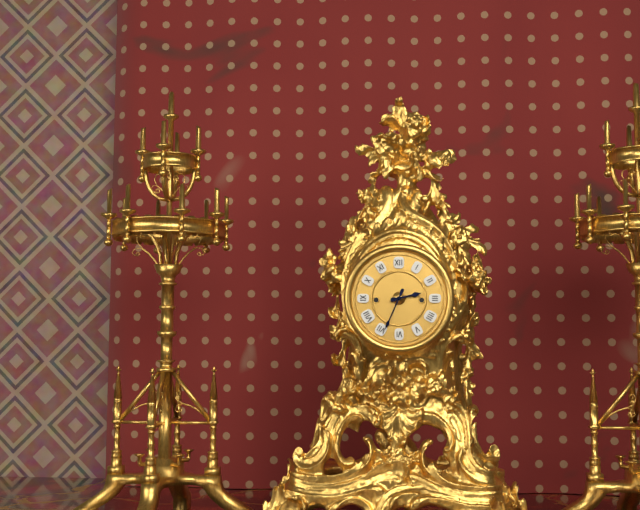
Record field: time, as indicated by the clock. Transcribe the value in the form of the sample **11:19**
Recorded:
**2:34**
